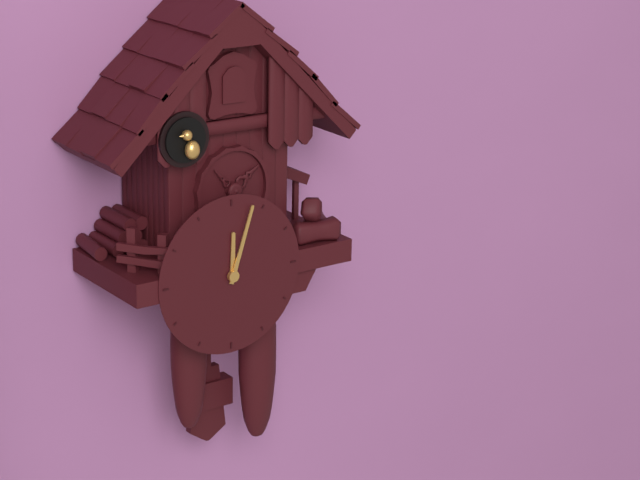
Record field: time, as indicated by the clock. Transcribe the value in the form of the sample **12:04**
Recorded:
**12:03**
